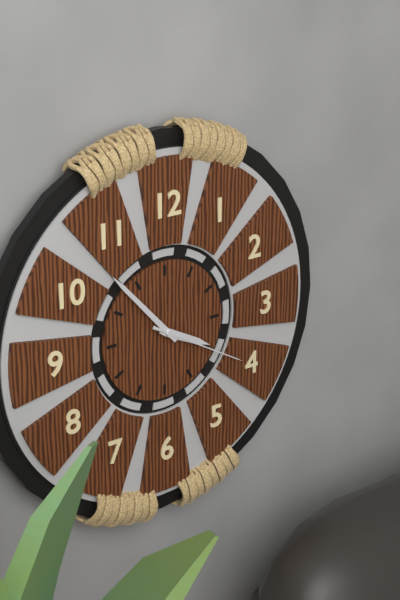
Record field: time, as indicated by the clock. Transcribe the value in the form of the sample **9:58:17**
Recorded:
**3:53:20**
